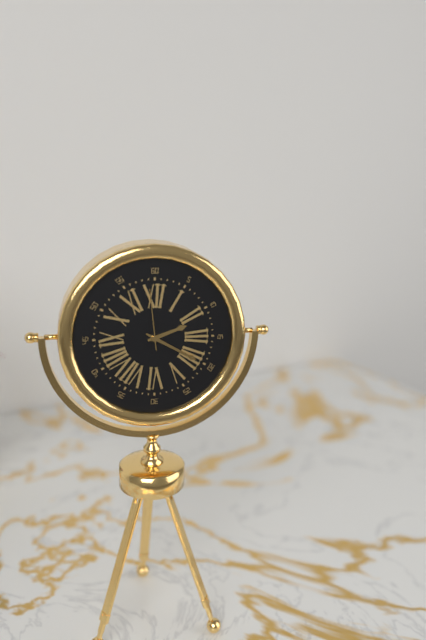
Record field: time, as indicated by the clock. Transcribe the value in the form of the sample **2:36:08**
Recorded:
**2:20:59**
